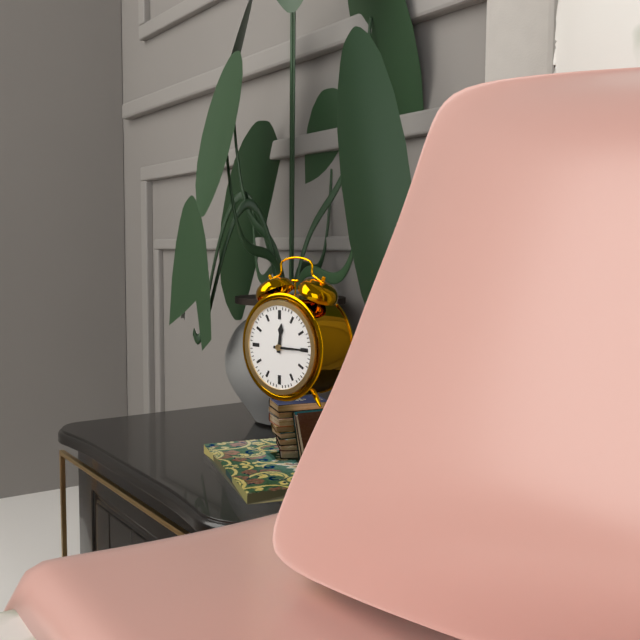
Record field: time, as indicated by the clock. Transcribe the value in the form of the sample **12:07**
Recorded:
**12:15**
